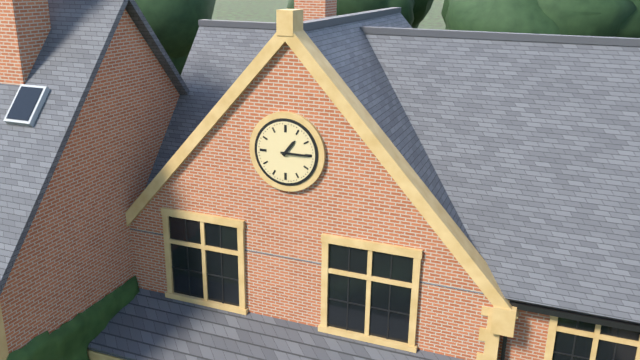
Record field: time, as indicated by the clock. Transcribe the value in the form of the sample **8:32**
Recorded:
**1:15**
